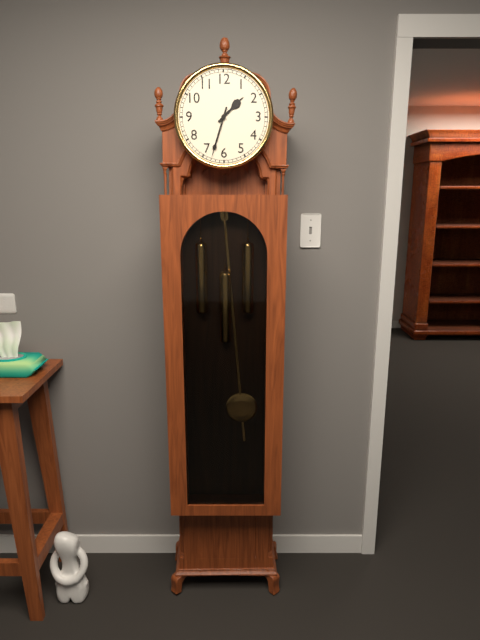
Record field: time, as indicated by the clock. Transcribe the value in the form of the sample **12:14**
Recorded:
**1:33**
